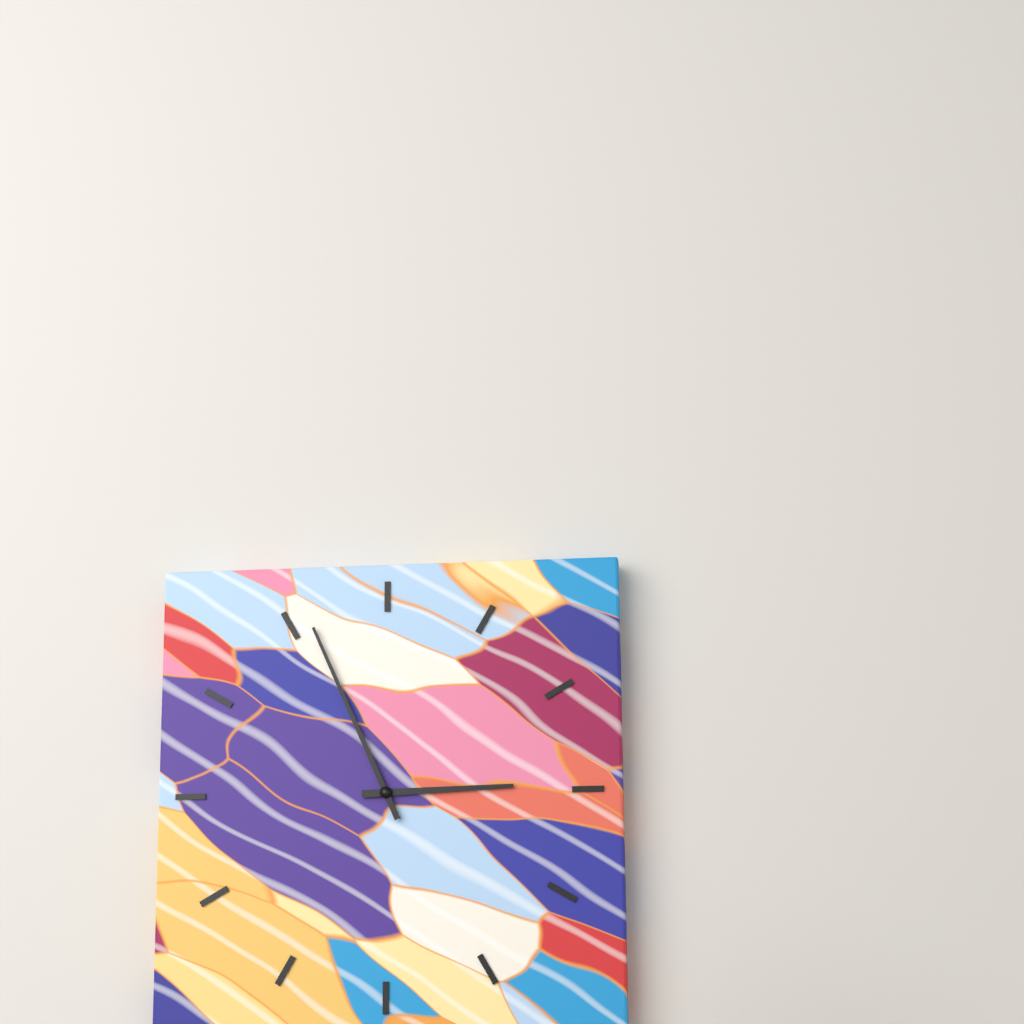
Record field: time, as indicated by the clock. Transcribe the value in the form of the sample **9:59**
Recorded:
**2:56**
